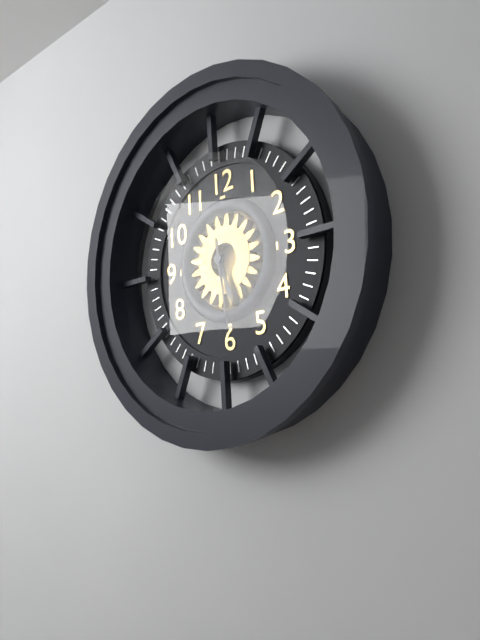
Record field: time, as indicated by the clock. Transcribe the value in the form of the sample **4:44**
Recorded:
**5:29**
